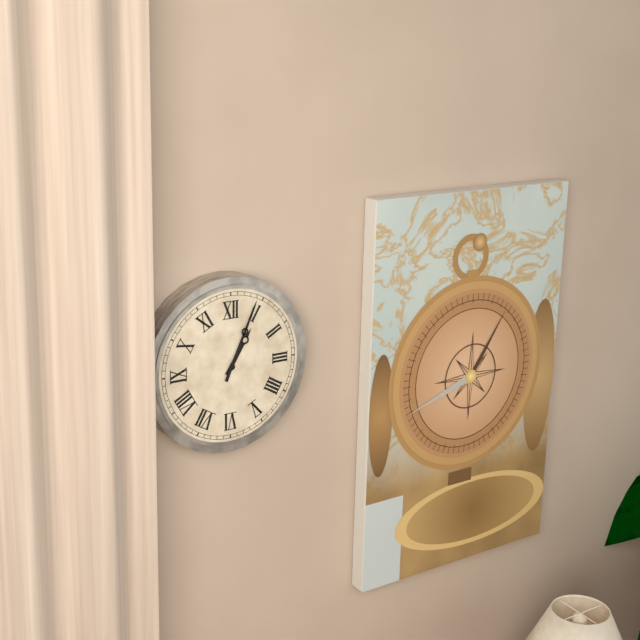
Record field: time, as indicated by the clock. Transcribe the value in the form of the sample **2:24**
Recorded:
**1:04**
